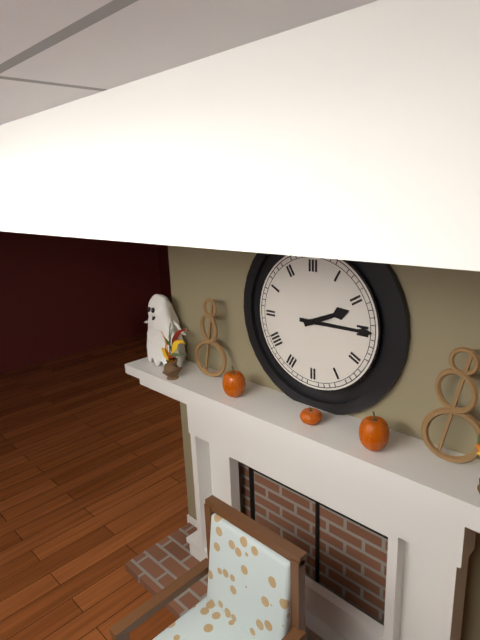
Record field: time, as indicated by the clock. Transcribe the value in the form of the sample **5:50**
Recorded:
**2:15**
